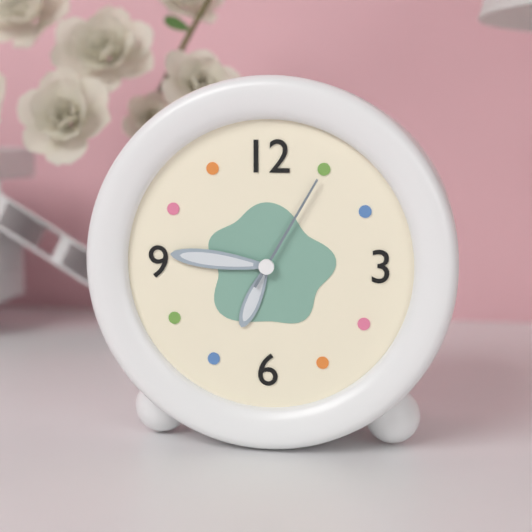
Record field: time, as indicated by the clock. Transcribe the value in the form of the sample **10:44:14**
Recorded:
**6:46:05**
